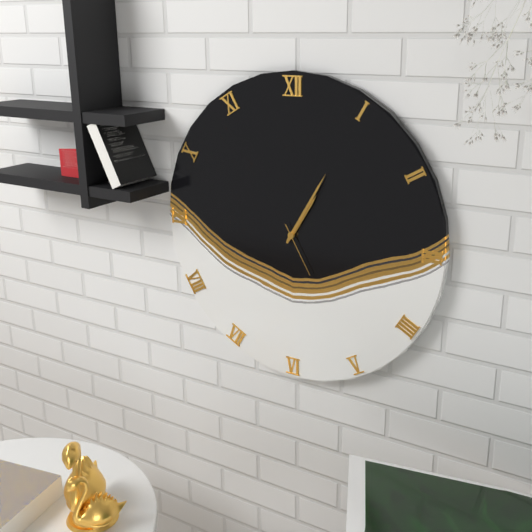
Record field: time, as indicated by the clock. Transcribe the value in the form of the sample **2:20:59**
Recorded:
**1:05:25**
